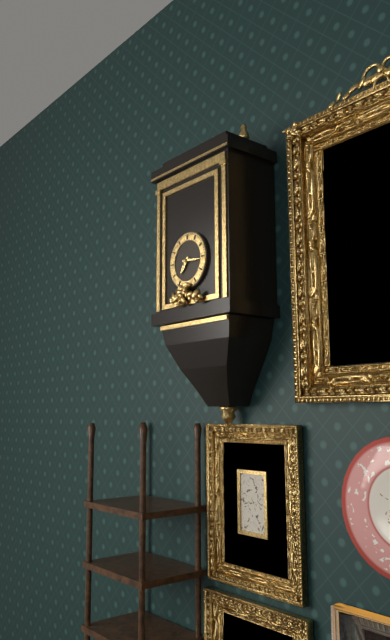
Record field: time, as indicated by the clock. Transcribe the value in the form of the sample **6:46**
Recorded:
**7:16**
